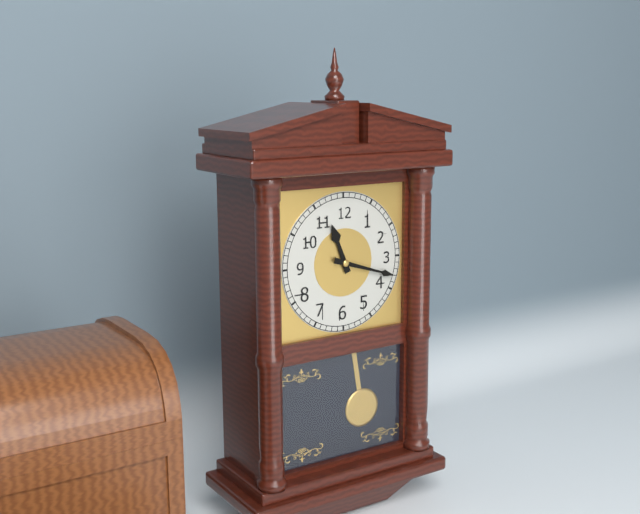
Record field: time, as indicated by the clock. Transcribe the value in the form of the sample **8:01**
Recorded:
**11:18**
